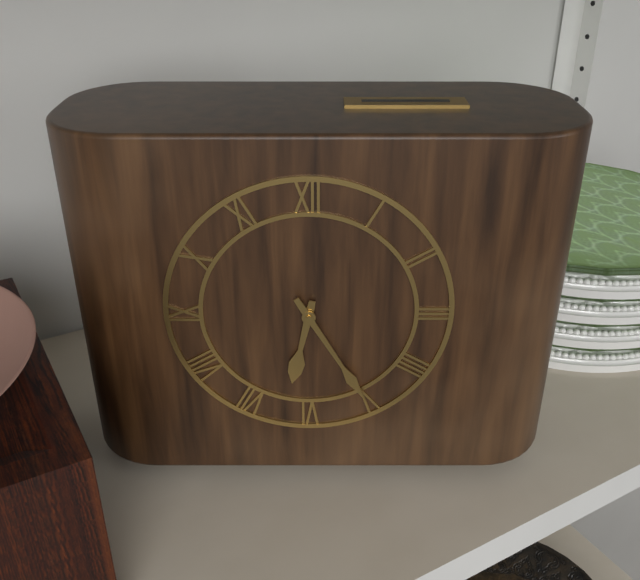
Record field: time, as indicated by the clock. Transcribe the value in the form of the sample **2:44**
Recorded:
**6:25**
